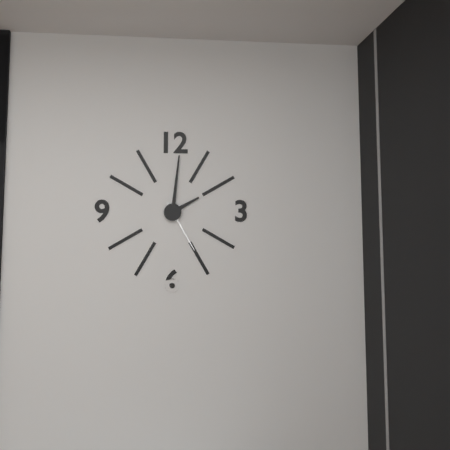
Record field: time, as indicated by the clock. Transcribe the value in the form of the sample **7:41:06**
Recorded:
**2:01:25**
